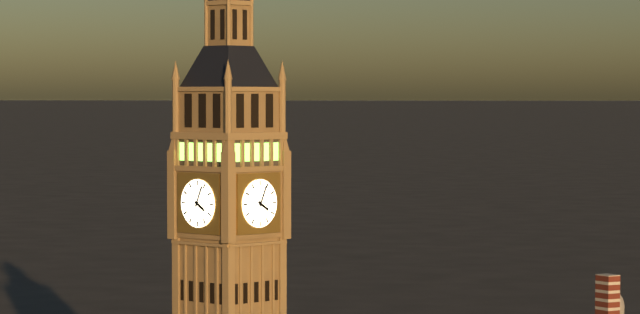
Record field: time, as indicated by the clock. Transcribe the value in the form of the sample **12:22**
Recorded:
**4:04**
